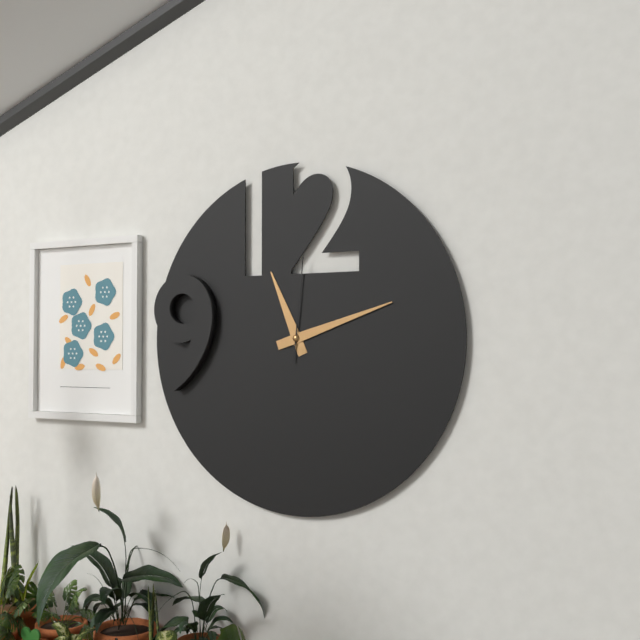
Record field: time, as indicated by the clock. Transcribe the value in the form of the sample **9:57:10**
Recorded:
**11:12:01**
